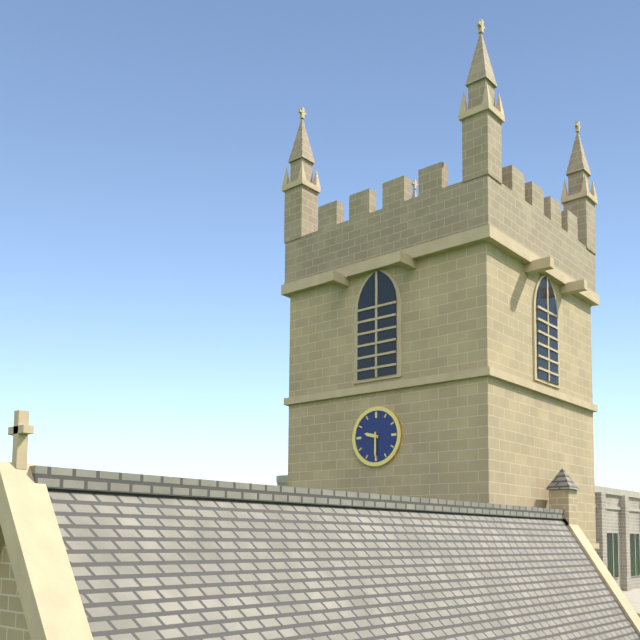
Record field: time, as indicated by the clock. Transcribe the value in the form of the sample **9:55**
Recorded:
**9:30**
